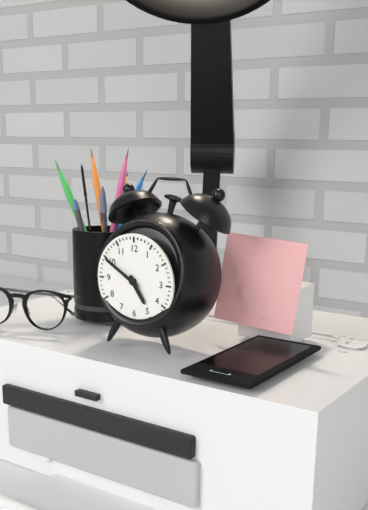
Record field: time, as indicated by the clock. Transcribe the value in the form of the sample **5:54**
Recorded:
**4:50**
